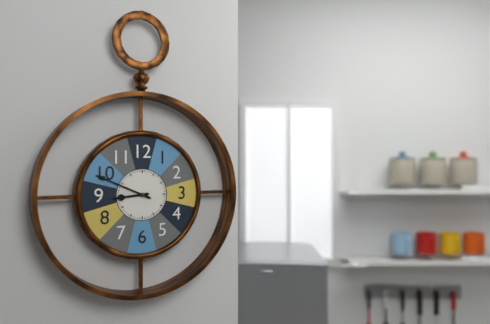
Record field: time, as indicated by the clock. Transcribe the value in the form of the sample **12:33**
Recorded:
**8:49**
